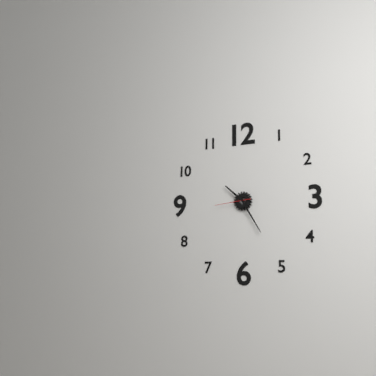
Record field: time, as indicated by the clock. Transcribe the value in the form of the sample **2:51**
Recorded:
**10:25**
